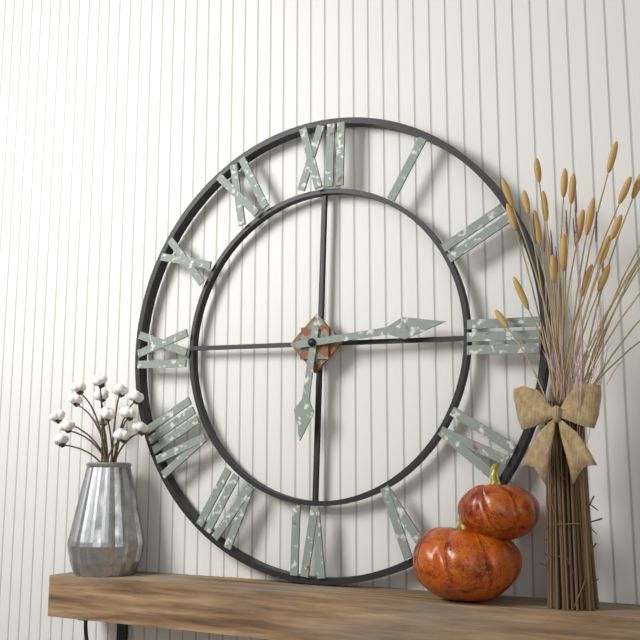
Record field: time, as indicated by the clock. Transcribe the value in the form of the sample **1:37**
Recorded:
**6:14**
